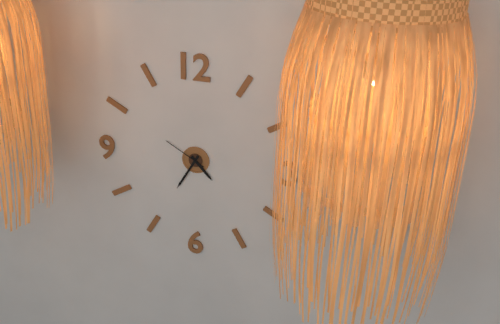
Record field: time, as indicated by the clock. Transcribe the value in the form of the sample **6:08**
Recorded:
**4:35**
